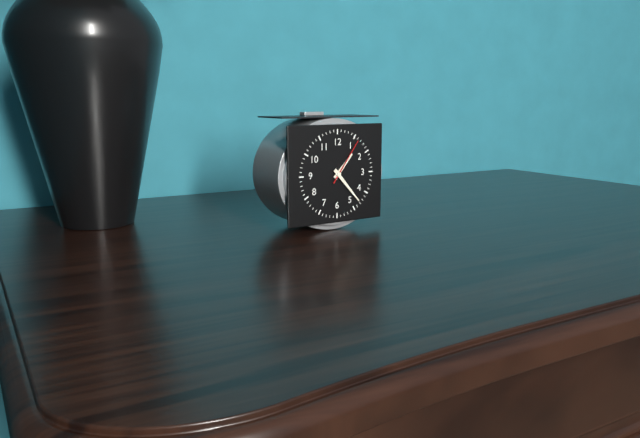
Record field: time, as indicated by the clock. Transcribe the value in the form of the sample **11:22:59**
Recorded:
**1:23:06**
